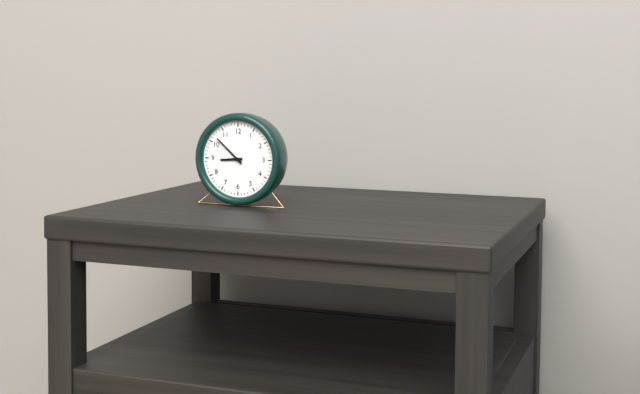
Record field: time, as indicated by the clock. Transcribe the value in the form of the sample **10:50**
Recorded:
**8:52**
